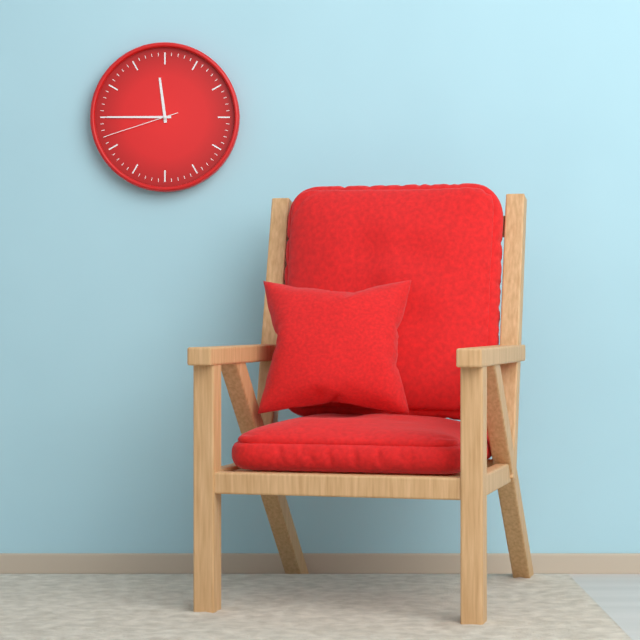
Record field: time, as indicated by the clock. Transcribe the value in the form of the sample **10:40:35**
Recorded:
**11:45:42**
